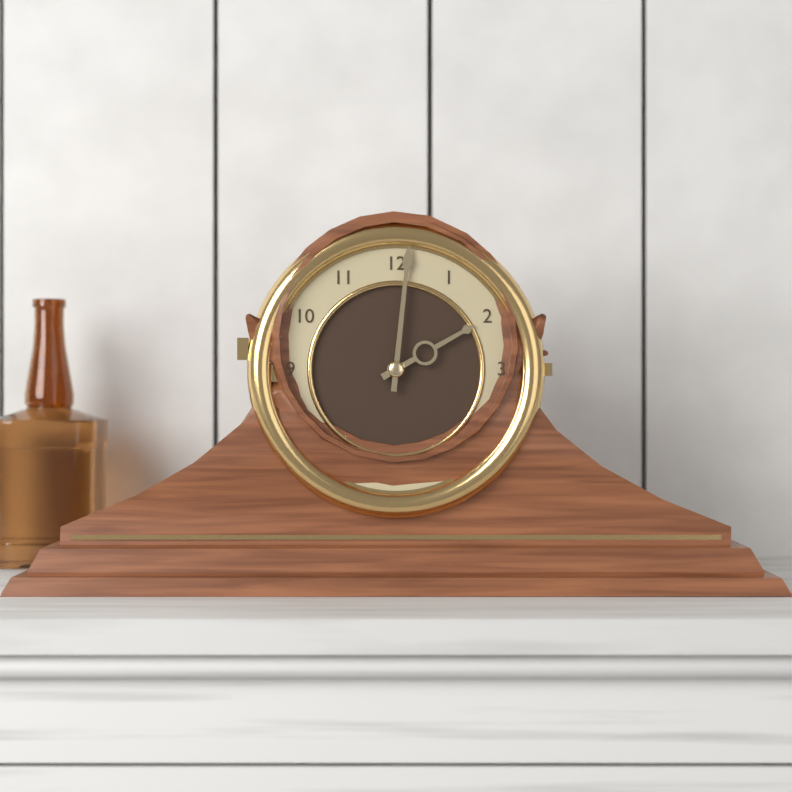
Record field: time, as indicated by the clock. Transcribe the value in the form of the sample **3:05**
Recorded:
**2:01**
